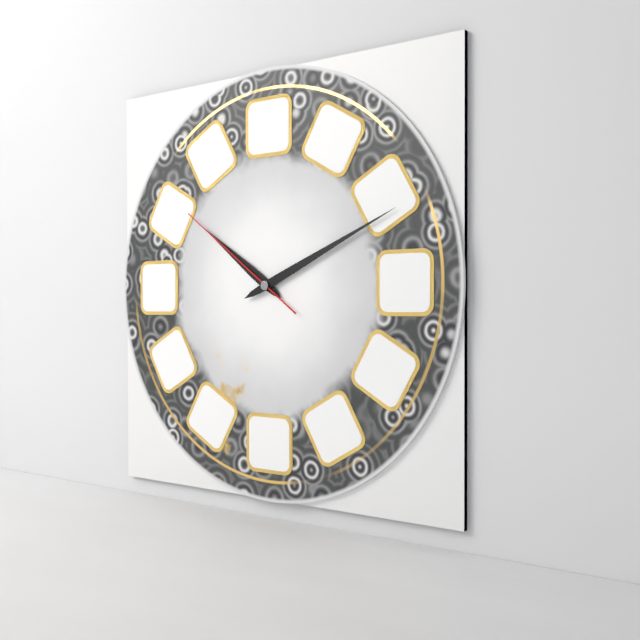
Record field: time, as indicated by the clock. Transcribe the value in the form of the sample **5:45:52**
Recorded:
**10:11:51**
